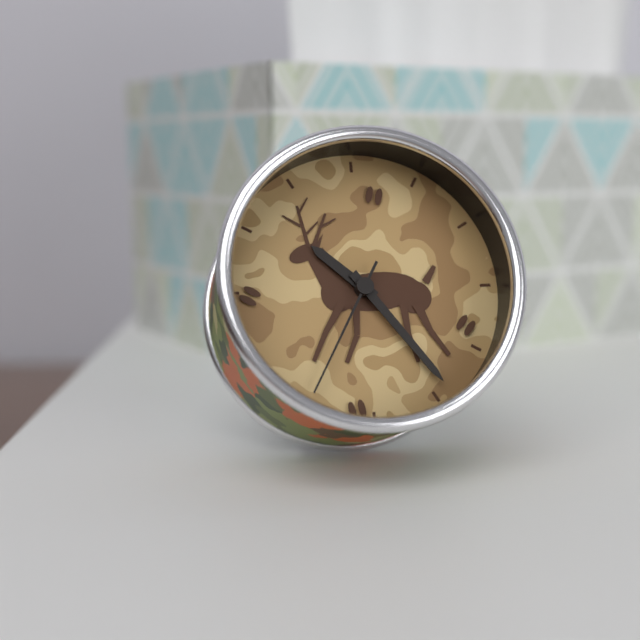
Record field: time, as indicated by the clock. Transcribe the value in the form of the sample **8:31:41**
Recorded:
**10:24:35**
